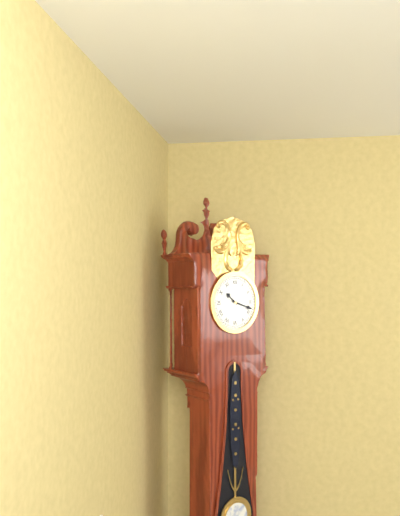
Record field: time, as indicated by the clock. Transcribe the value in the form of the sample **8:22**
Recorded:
**10:18**
